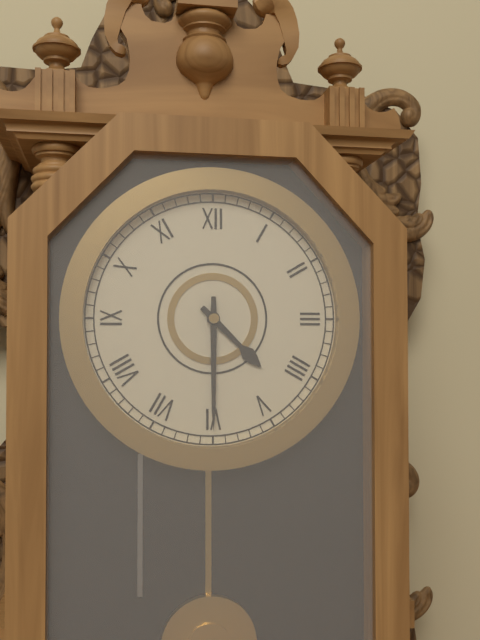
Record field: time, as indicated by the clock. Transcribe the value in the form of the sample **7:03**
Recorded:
**4:30**
